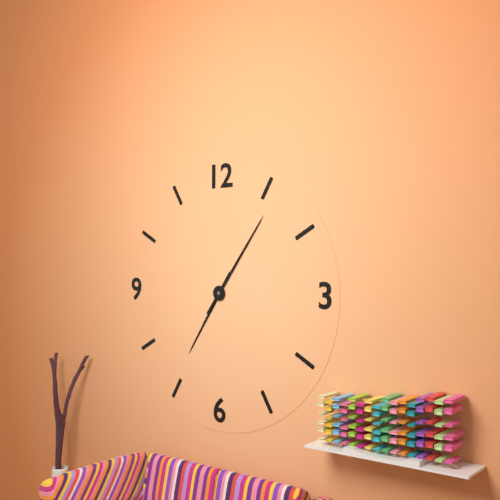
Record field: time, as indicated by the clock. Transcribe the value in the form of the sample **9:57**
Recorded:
**7:06**
